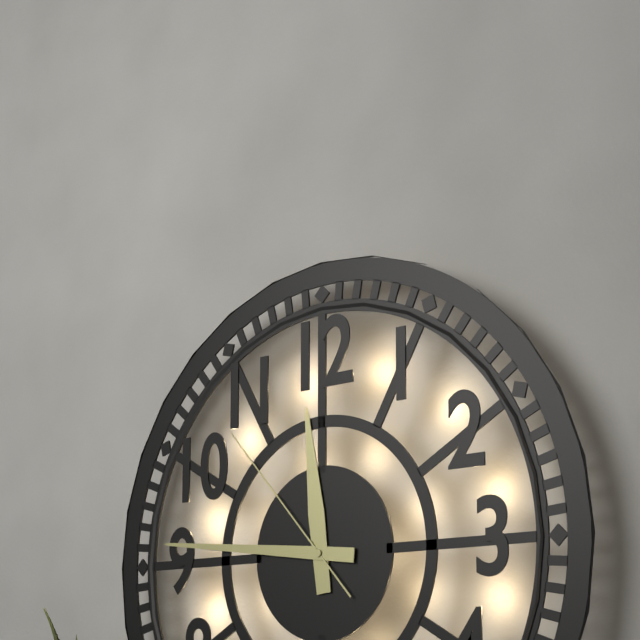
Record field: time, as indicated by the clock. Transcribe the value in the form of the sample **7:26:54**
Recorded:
**11:46:53**
